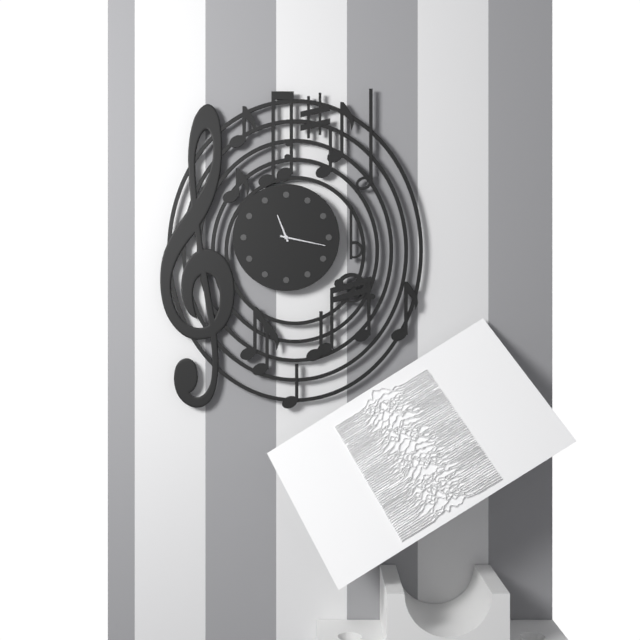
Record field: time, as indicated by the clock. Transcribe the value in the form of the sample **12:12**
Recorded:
**11:17**
